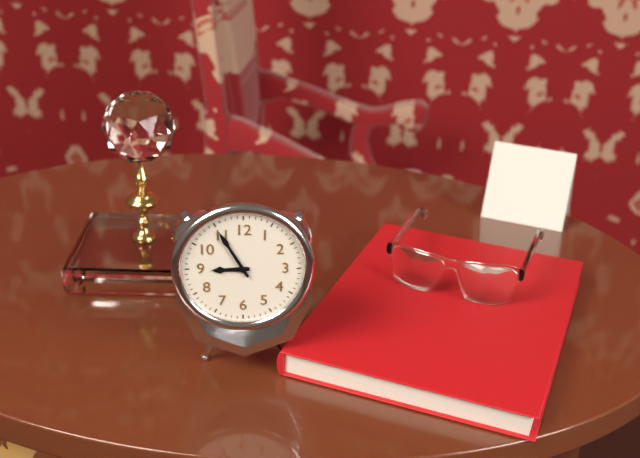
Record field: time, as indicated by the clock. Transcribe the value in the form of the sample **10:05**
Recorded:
**8:55**
